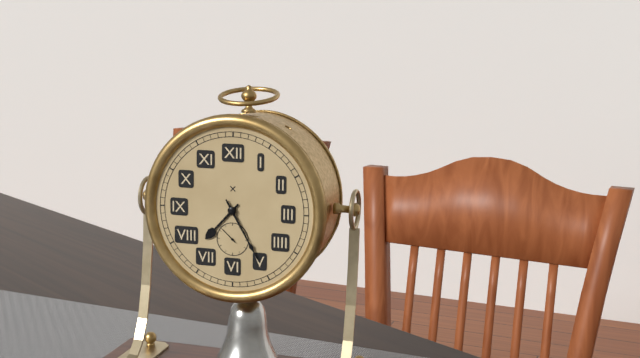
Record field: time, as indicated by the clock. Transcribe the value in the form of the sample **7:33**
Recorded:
**7:25**
